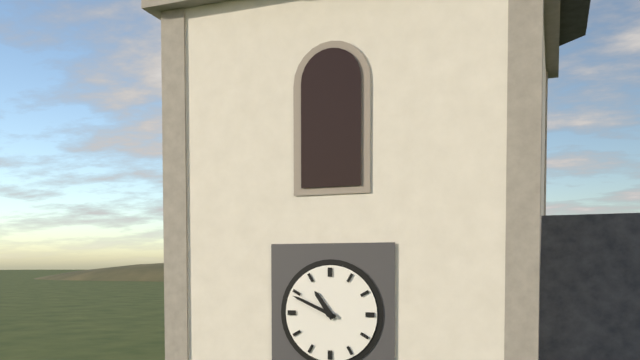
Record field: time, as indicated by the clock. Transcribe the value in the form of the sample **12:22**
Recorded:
**10:49**
